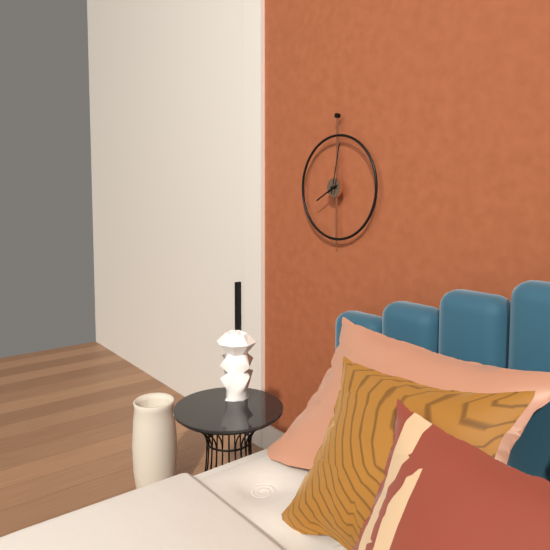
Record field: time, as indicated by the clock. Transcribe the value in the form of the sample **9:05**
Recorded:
**8:02**
